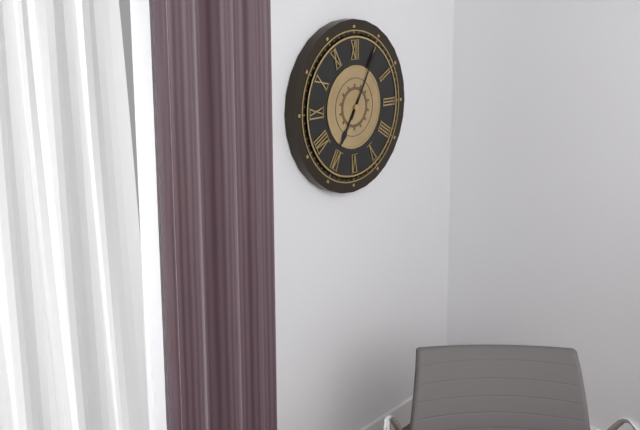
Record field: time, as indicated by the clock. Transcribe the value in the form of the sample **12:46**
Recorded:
**7:05**
